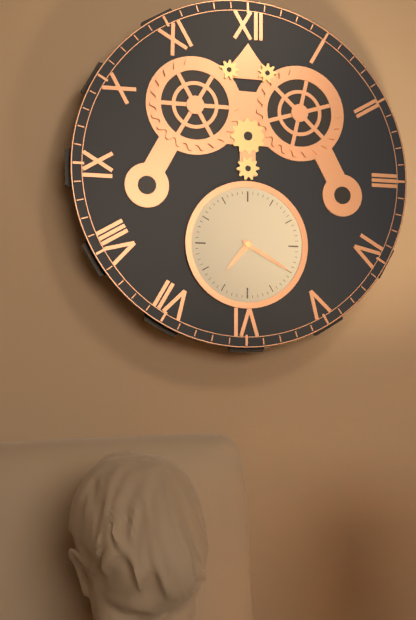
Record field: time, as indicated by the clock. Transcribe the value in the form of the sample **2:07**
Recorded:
**7:20**
